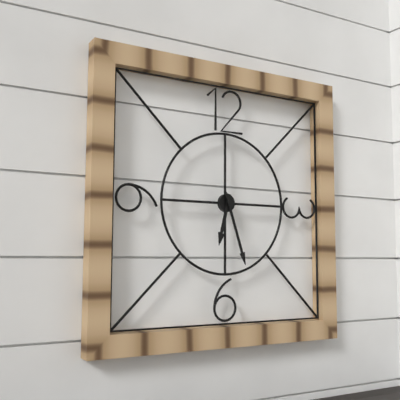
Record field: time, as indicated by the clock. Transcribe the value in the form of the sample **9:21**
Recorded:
**6:27**
